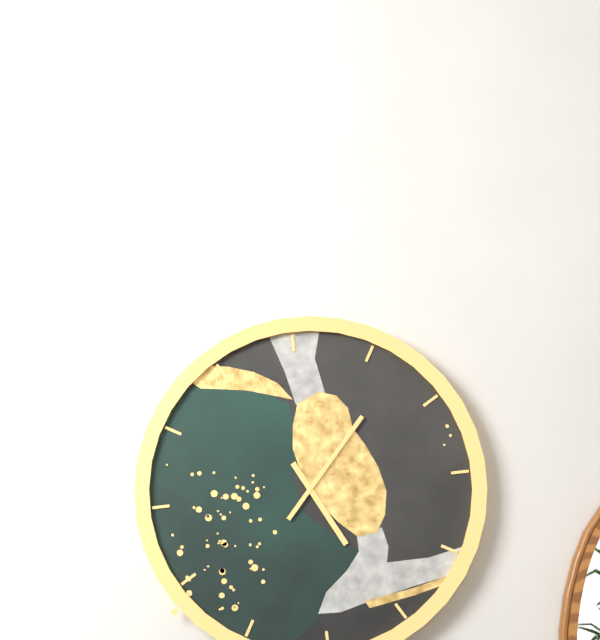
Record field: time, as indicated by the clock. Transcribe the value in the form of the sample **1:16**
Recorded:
**5:07**
